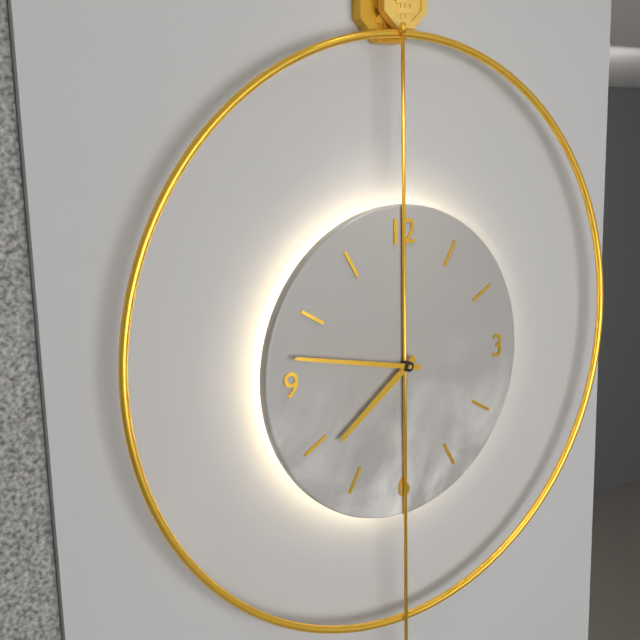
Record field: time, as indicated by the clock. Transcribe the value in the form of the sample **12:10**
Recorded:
**7:47**
